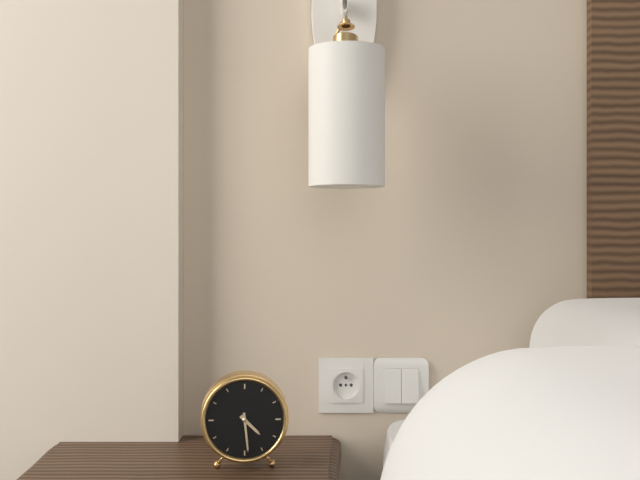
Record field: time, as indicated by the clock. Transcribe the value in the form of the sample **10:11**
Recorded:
**4:29**
